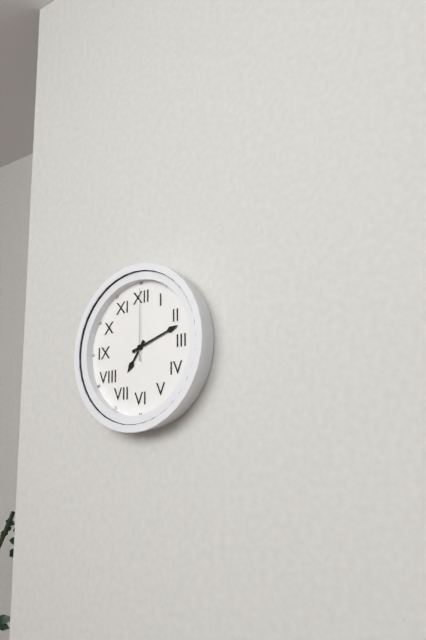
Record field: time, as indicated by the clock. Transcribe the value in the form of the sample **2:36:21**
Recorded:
**7:12:00**
